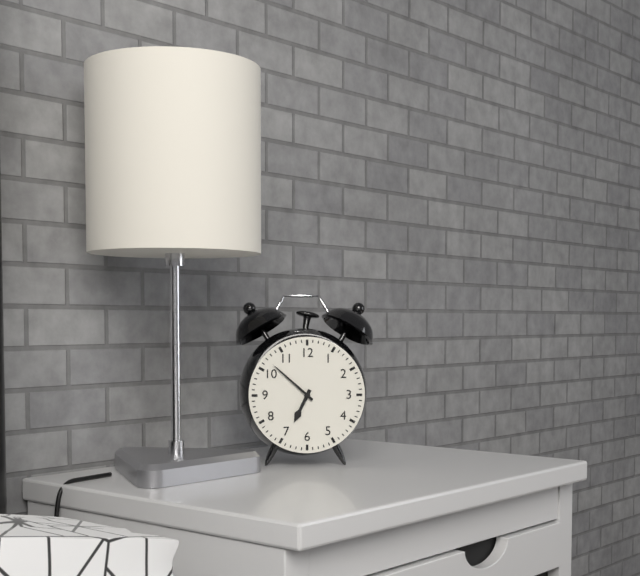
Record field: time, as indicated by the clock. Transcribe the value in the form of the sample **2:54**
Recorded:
**6:52**
